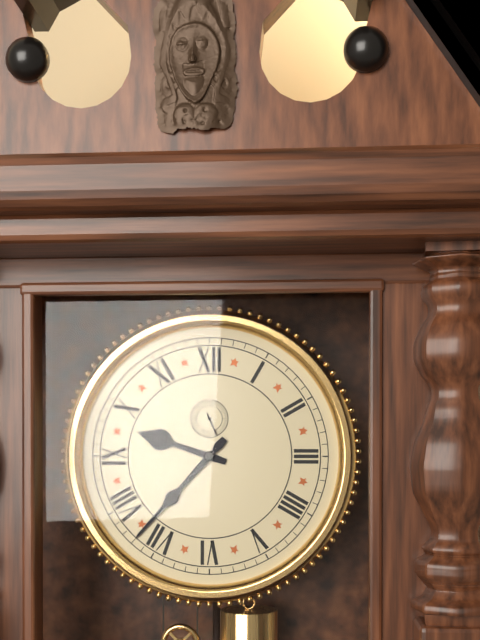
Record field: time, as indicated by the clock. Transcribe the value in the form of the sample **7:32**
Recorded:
**9:37**
